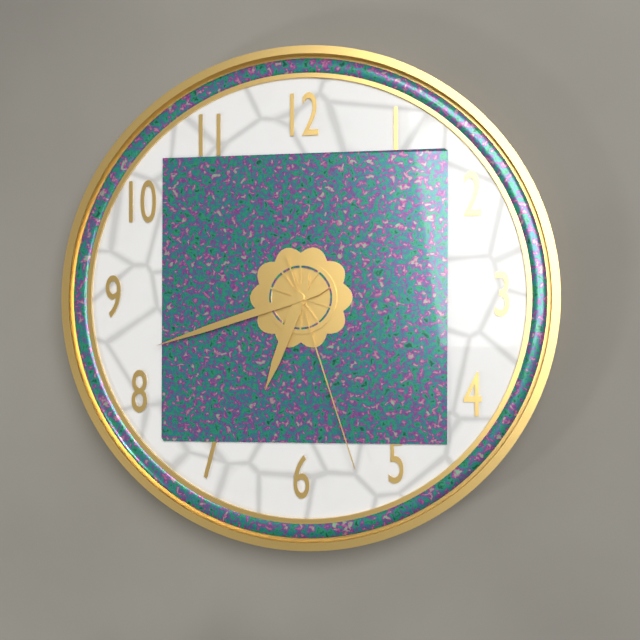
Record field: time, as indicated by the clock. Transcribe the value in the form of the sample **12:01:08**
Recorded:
**6:42:27**
